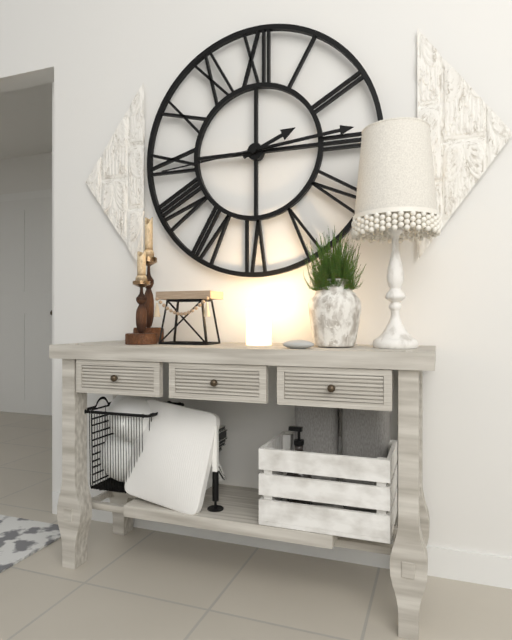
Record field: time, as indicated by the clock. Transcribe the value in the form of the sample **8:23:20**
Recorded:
**2:14:44**
